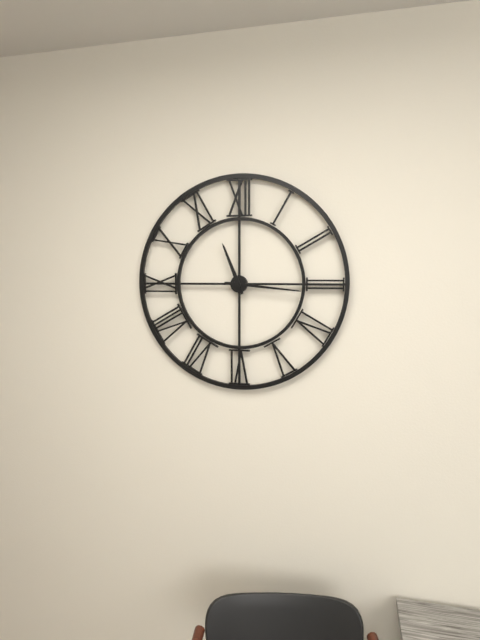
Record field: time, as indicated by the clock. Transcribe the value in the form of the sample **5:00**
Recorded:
**11:16**
